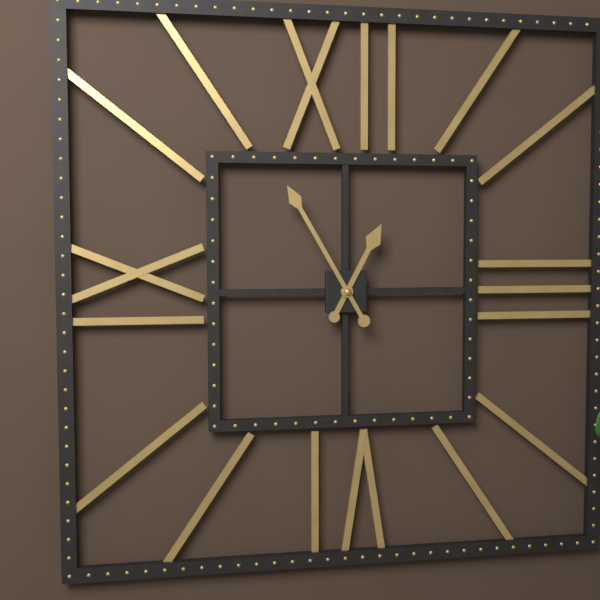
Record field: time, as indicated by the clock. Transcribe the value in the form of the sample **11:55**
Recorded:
**12:55**
